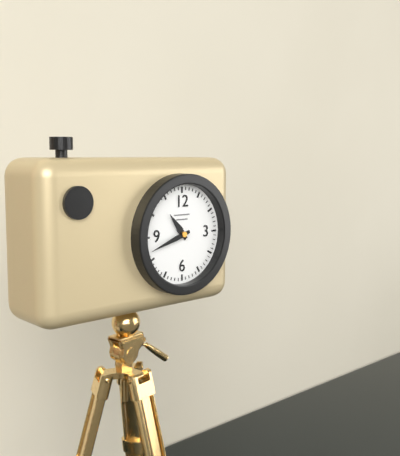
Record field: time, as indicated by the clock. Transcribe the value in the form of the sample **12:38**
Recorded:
**10:42**
